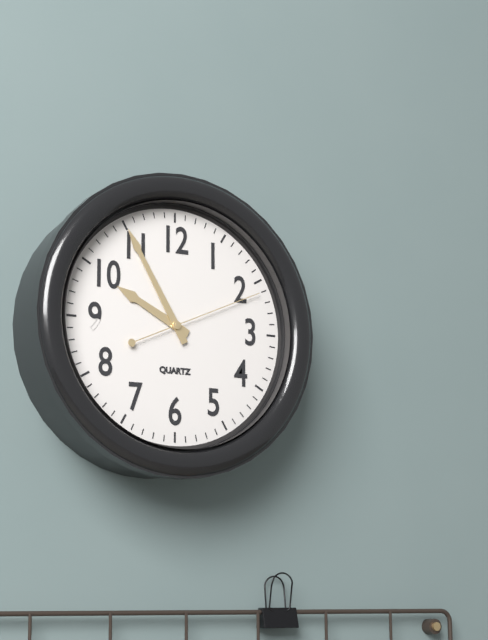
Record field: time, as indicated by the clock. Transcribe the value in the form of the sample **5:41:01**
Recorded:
**9:55:11**
